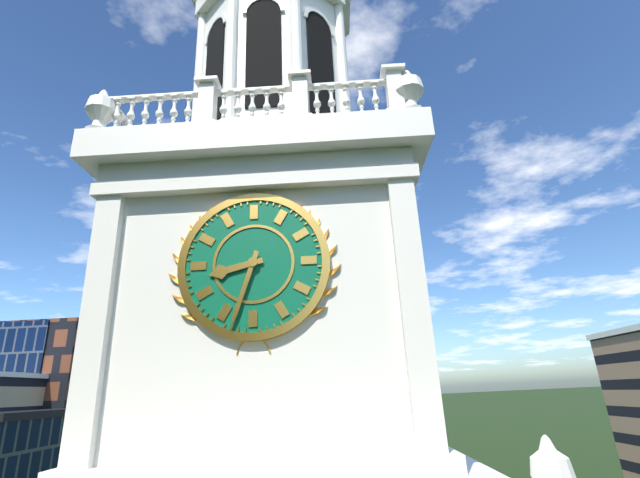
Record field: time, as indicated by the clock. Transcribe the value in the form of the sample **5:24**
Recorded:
**8:33**
